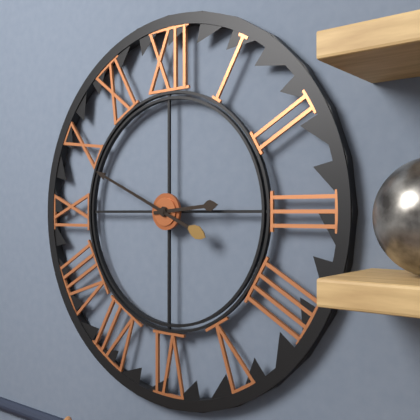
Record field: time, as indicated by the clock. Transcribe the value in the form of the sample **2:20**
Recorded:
**2:49**
